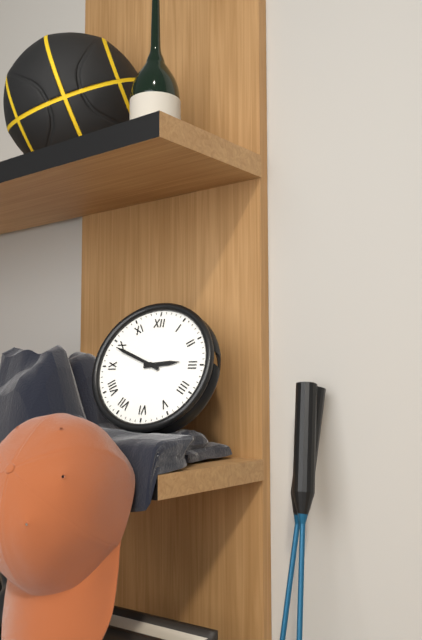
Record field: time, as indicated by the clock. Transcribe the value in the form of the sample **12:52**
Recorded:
**2:49**
